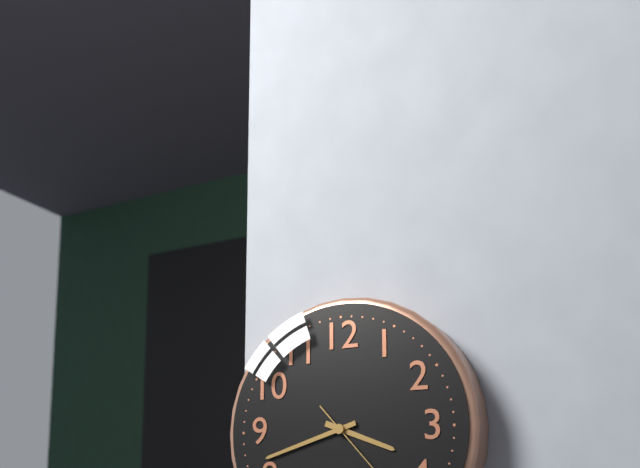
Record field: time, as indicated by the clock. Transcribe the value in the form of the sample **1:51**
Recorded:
**3:42**
